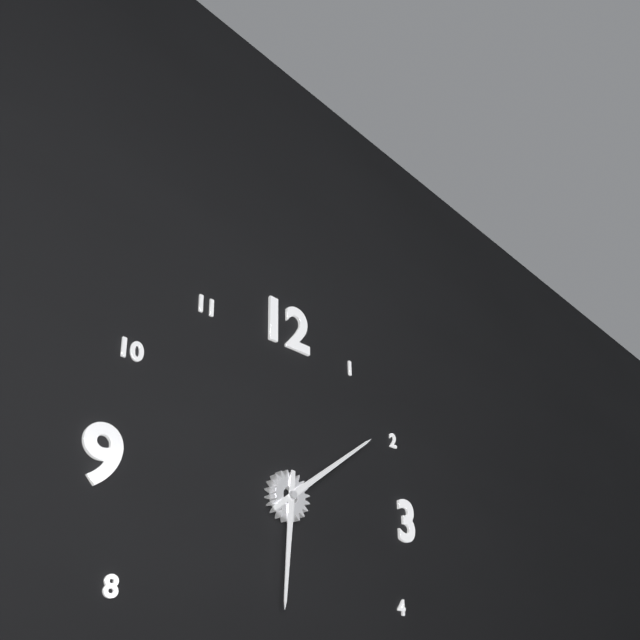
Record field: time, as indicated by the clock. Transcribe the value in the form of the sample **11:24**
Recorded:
**6:09**
